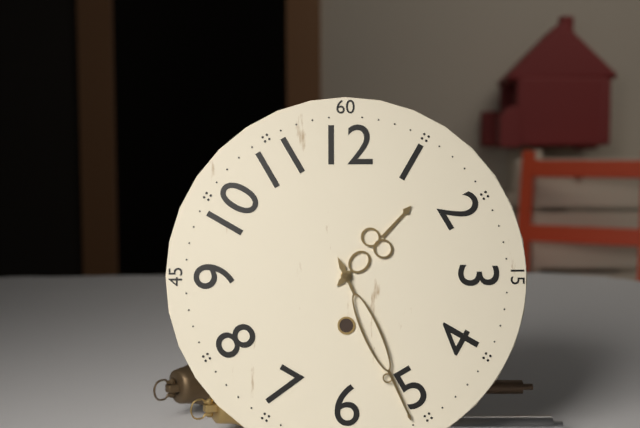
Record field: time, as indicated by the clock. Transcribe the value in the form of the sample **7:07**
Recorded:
**1:26**
